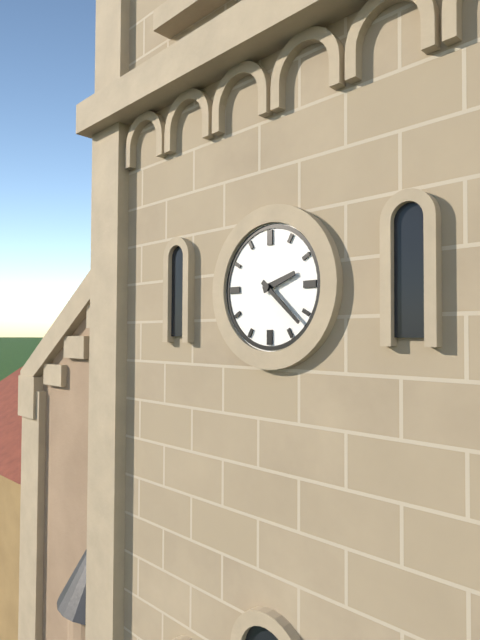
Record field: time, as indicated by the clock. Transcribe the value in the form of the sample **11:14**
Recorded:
**2:22**
